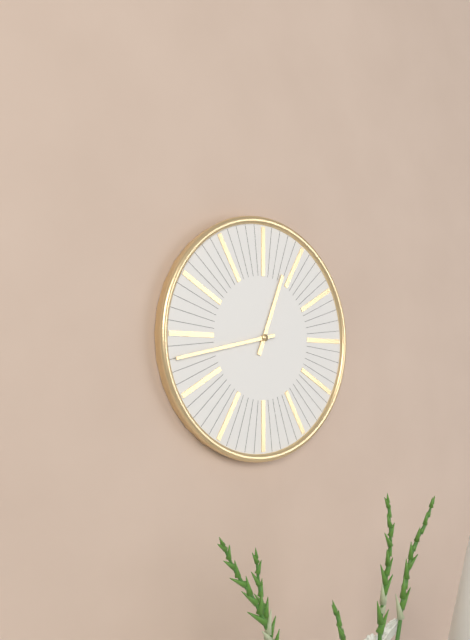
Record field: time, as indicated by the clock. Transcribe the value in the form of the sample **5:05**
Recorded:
**12:43**
